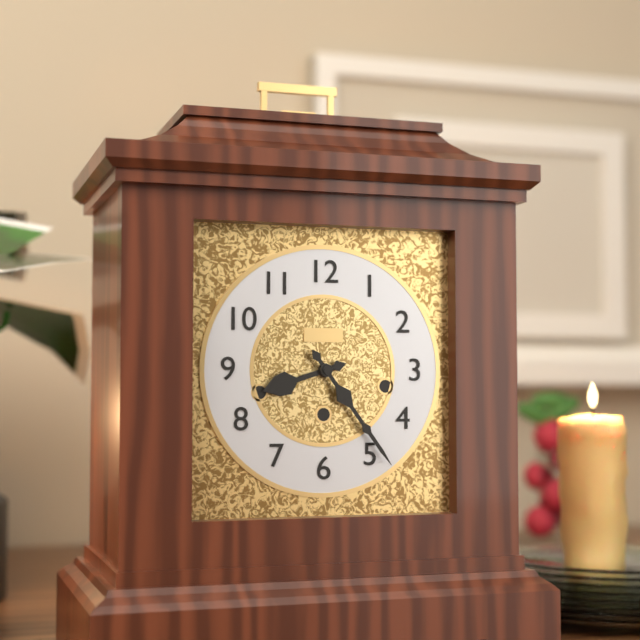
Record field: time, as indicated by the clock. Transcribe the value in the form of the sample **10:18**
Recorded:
**8:24**
